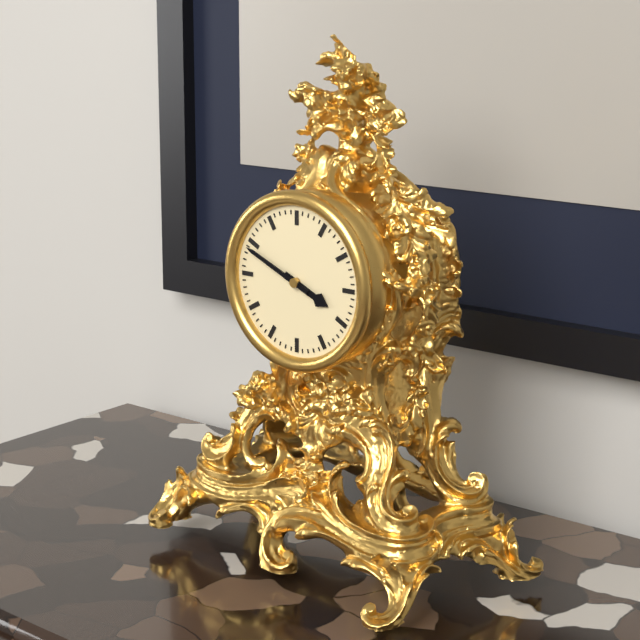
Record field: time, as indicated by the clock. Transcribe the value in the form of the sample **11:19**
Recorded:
**3:49**
